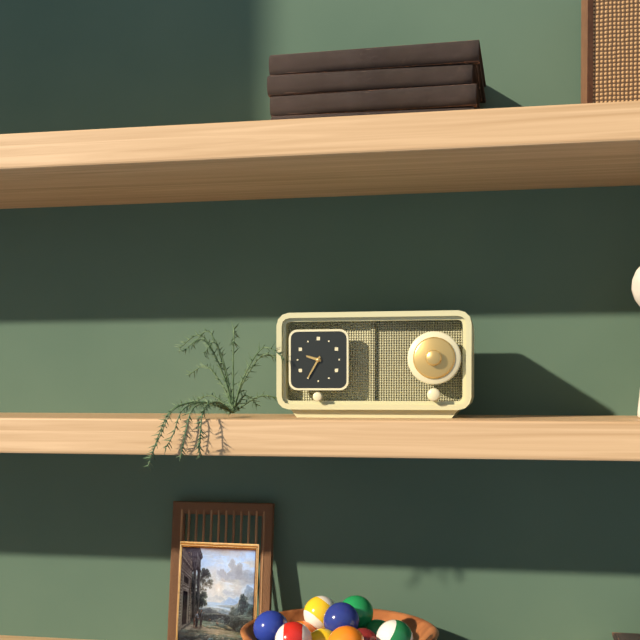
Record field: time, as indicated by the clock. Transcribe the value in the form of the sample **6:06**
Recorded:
**9:35**
